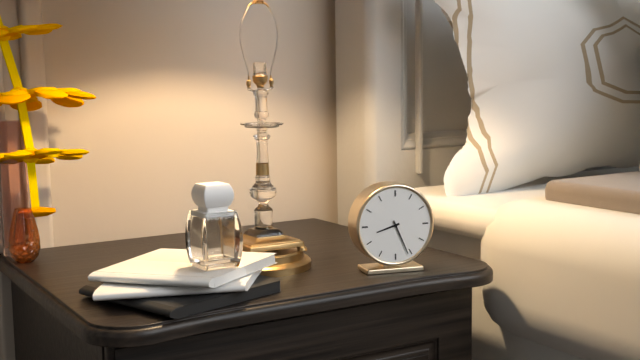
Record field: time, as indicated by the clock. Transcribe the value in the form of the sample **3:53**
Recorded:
**8:26**
